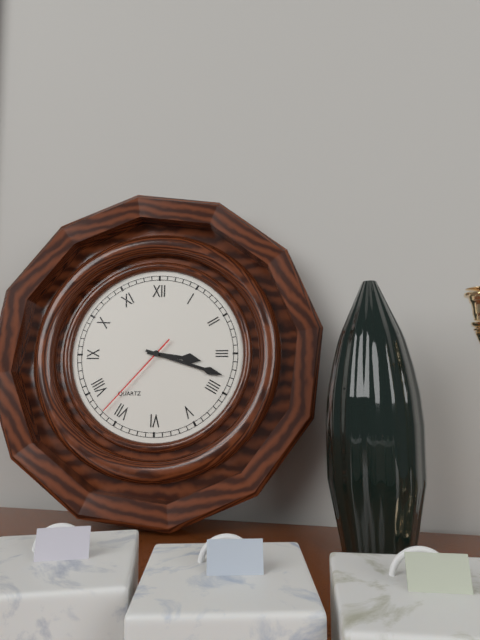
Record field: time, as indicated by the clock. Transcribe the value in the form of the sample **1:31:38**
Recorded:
**3:18:37**
